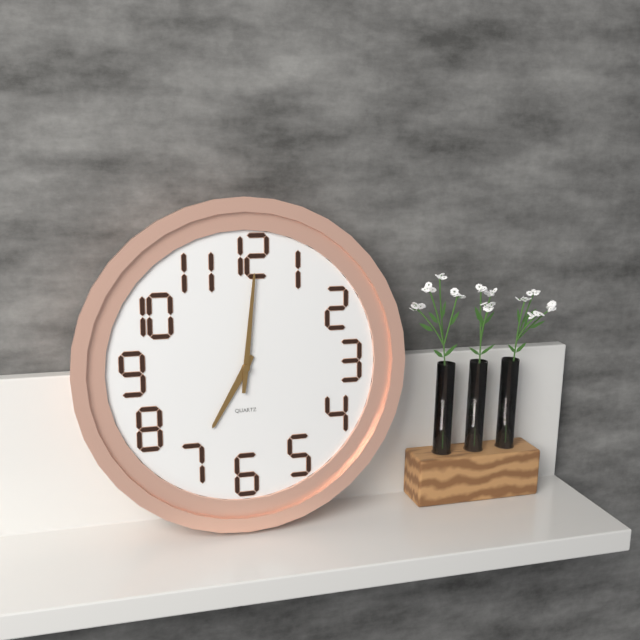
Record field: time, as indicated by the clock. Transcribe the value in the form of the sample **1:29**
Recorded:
**7:01**
